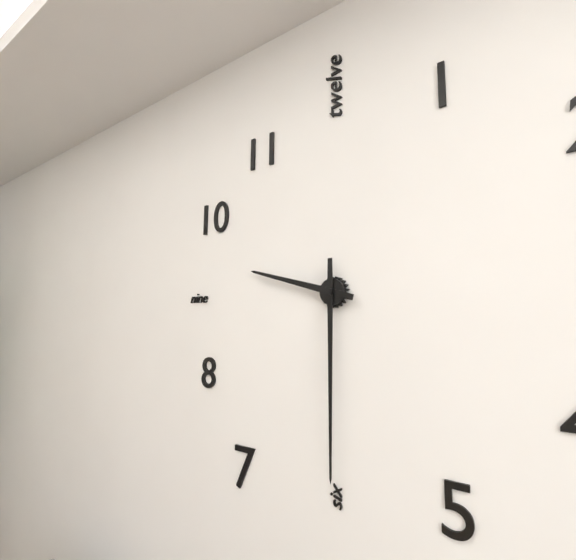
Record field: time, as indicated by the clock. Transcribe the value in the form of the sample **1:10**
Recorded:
**9:30**
